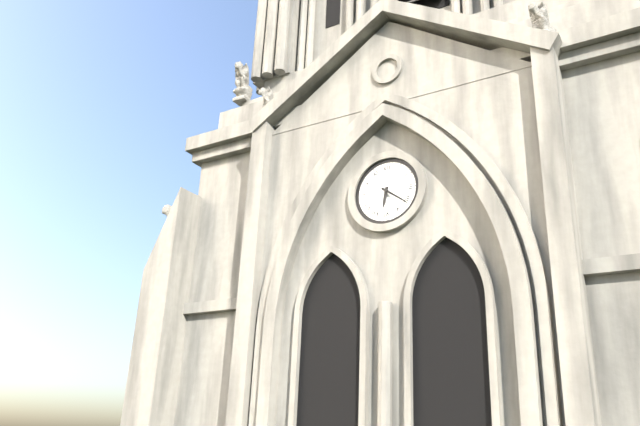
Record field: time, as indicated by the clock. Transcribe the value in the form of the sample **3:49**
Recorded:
**6:21**
